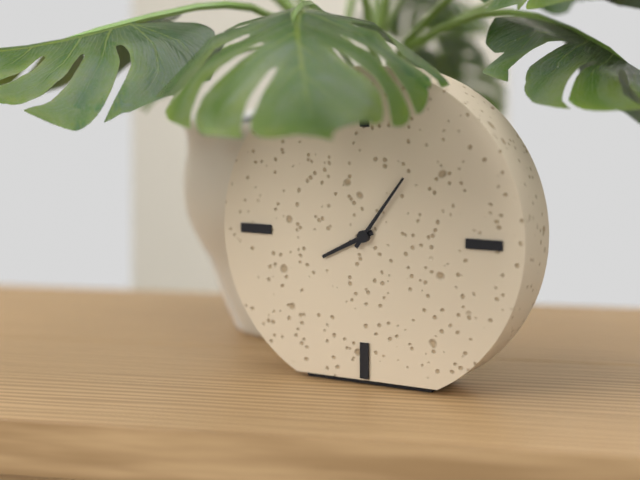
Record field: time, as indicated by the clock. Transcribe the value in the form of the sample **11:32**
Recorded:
**8:06**
